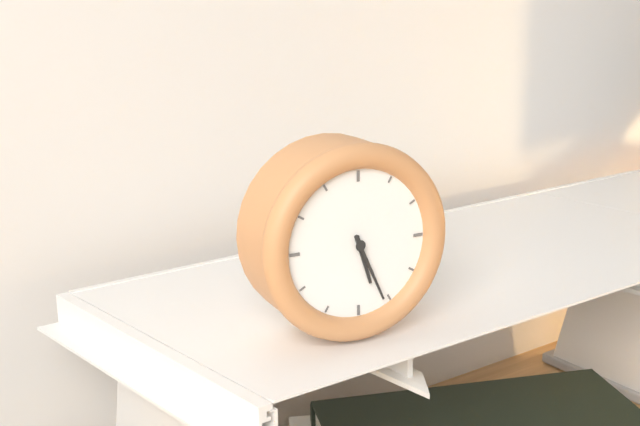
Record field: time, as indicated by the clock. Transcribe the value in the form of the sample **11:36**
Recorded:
**5:26**
